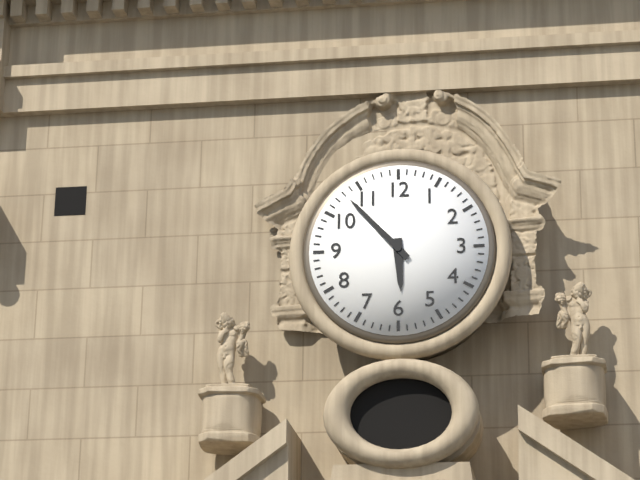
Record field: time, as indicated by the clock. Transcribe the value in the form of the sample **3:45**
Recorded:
**5:53**
